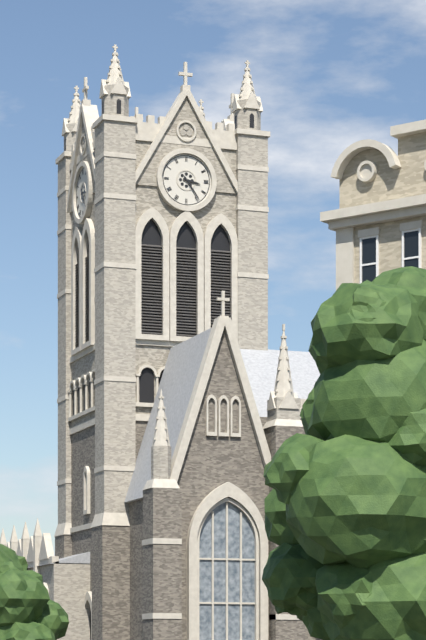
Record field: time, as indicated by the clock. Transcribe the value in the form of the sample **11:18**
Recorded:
**3:24**
